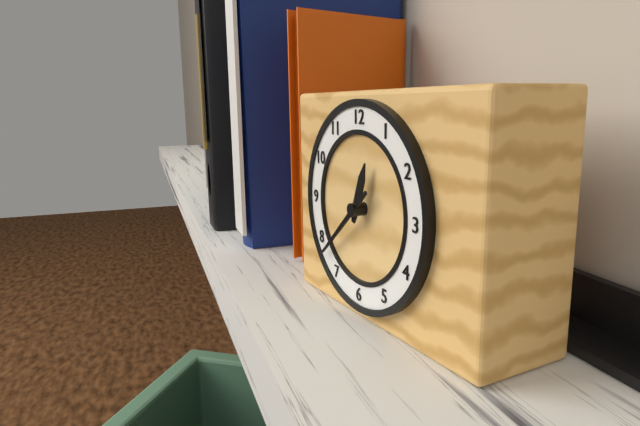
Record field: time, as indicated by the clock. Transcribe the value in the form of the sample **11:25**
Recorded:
**12:38**
